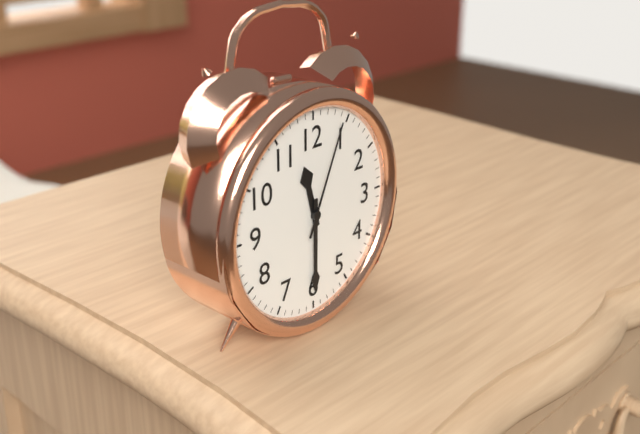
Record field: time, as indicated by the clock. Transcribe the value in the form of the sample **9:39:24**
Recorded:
**11:30:04**
